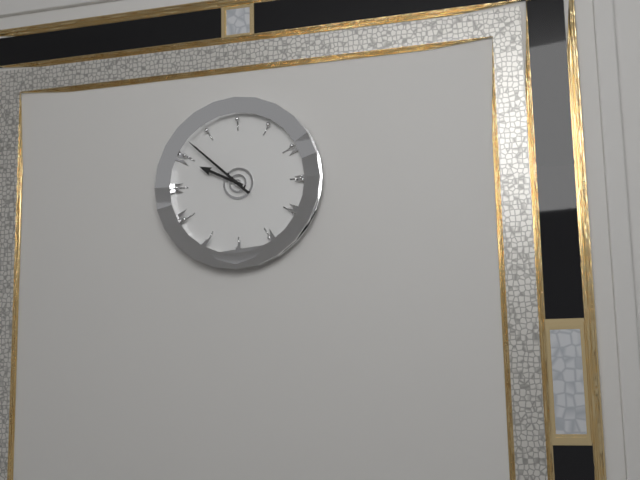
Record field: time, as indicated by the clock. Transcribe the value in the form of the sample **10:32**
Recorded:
**9:52**
